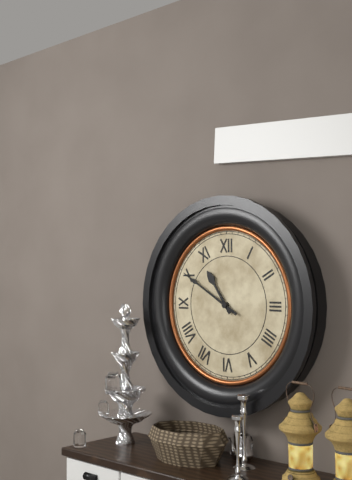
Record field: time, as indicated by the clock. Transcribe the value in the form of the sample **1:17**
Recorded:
**10:50**
